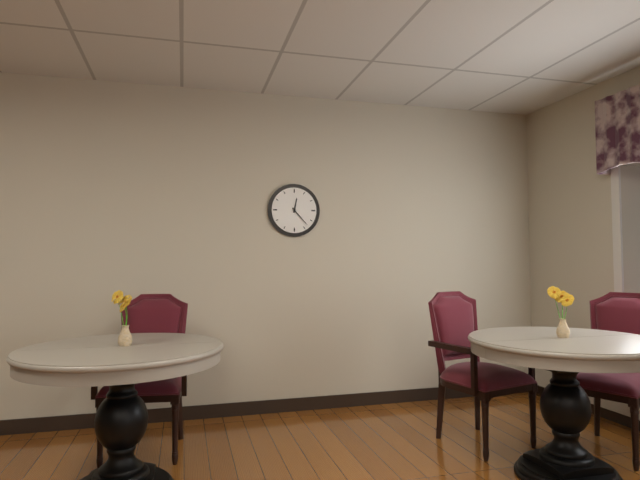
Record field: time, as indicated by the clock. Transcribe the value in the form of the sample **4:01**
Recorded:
**12:23**
